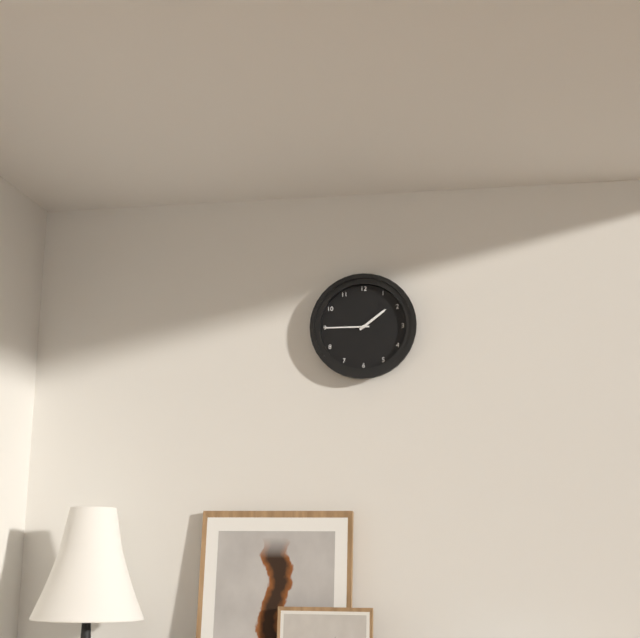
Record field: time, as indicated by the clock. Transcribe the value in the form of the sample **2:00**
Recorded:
**1:45**
